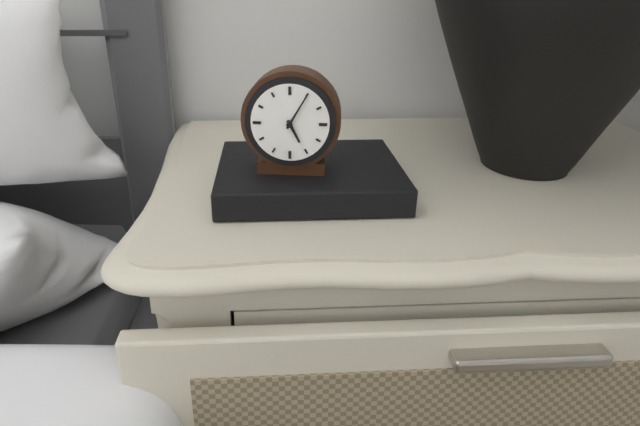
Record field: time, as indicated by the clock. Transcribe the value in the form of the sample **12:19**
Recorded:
**5:05**
